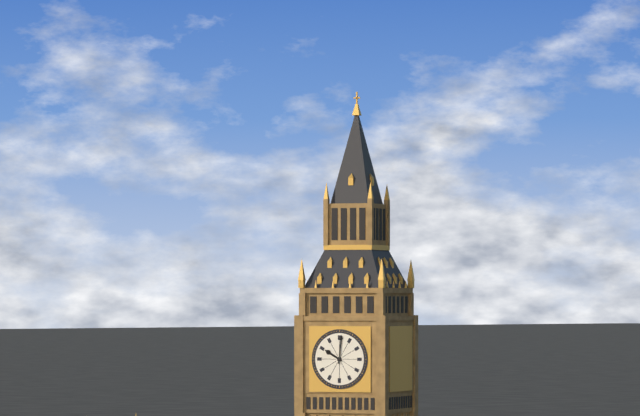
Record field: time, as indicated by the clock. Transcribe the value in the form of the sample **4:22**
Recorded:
**10:01**
